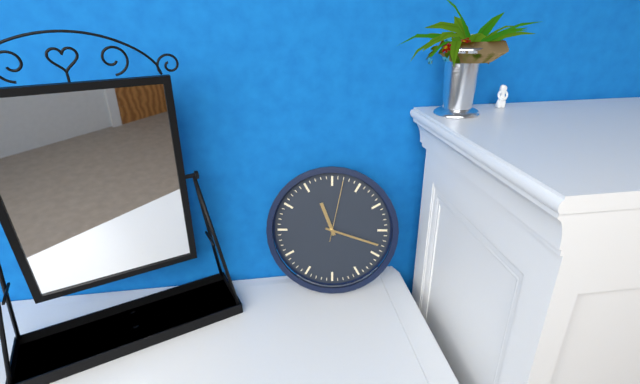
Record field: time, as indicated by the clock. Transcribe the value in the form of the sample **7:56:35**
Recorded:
**11:18:02**
